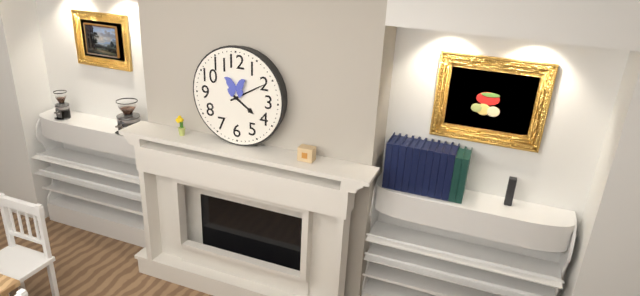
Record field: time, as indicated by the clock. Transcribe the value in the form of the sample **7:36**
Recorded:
**4:10**
